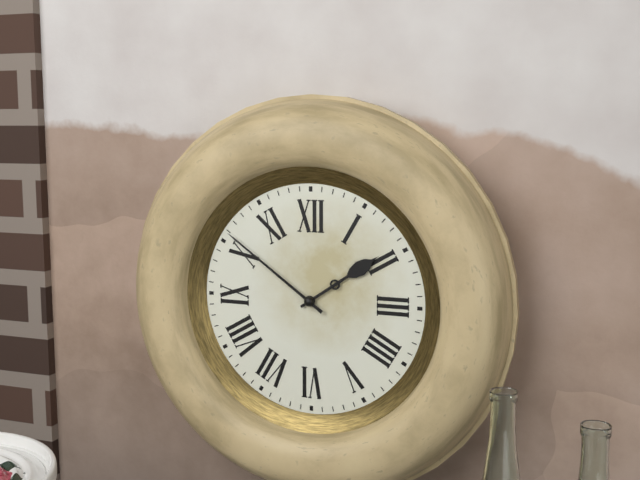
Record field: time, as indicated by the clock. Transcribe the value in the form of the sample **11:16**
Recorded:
**1:51**
